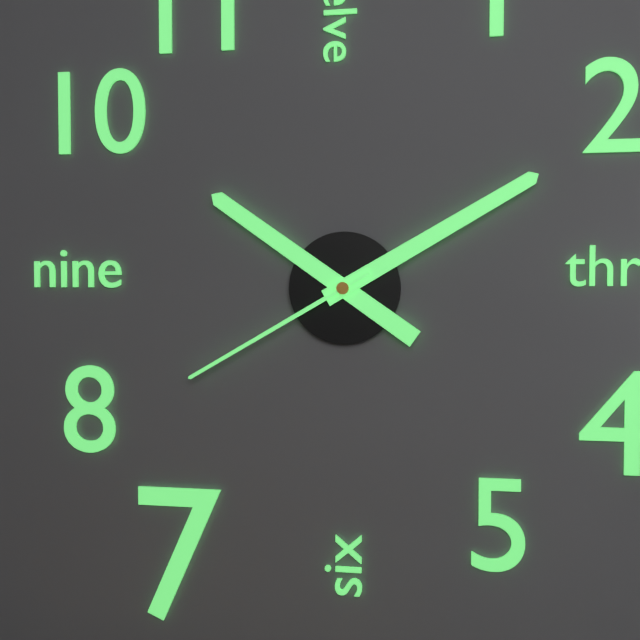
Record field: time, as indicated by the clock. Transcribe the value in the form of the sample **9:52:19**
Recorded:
**10:10:40**
